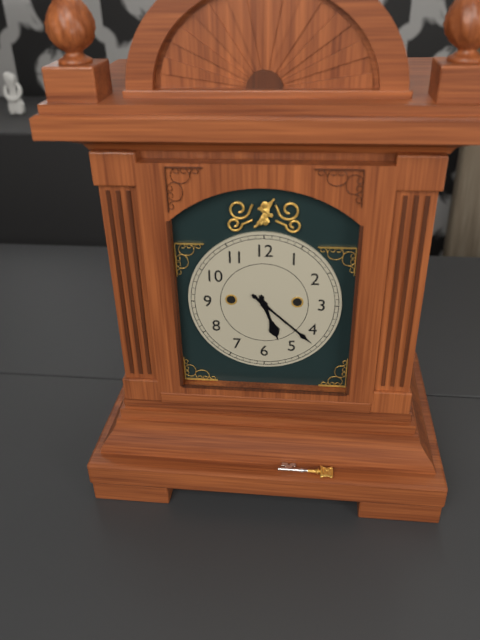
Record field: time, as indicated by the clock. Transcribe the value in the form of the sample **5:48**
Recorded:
**5:22**
